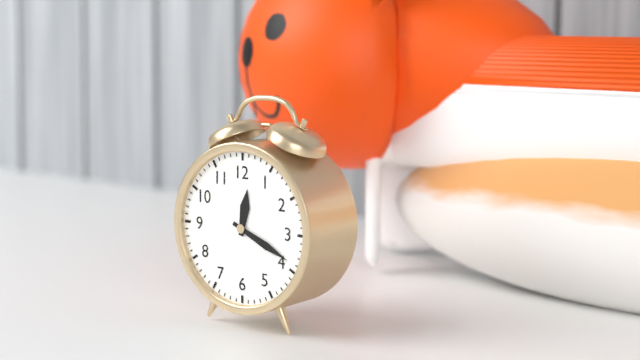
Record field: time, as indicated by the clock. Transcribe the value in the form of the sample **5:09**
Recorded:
**12:19**
